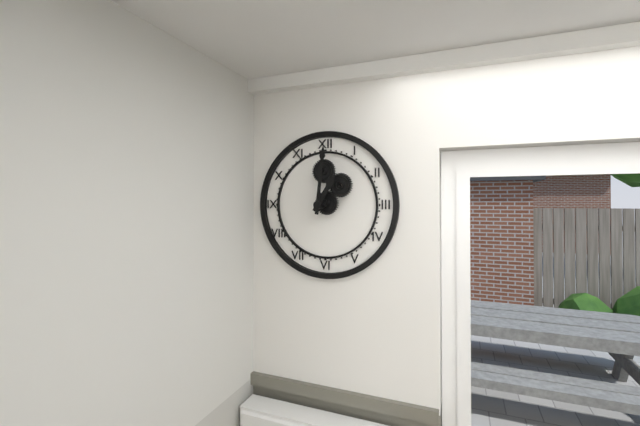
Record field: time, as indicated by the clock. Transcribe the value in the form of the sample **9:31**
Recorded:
**1:01**
